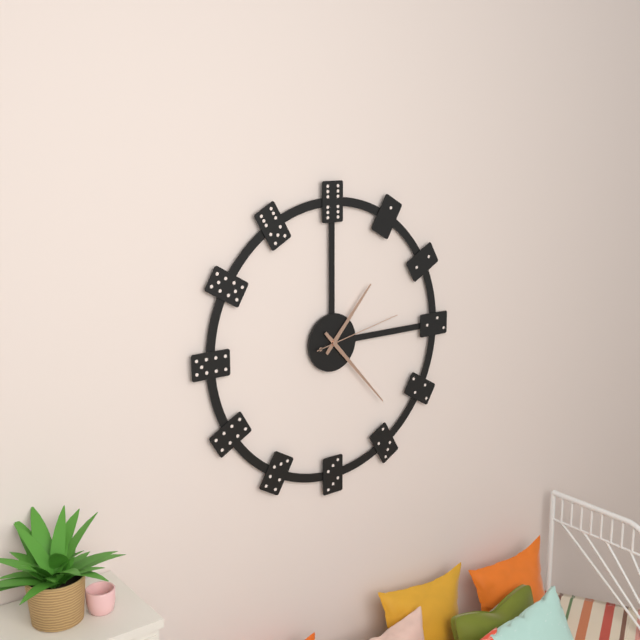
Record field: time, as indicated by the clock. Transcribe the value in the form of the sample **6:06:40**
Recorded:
**1:23:13**
